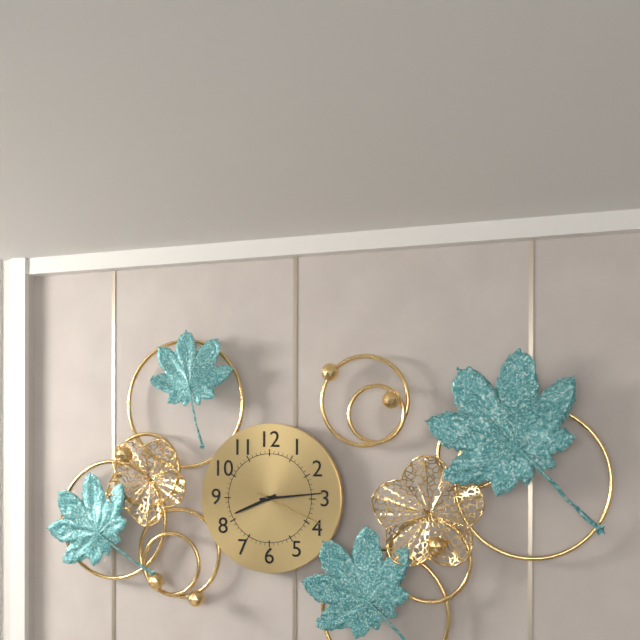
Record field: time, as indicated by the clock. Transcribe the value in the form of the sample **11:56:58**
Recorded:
**8:14:19**
